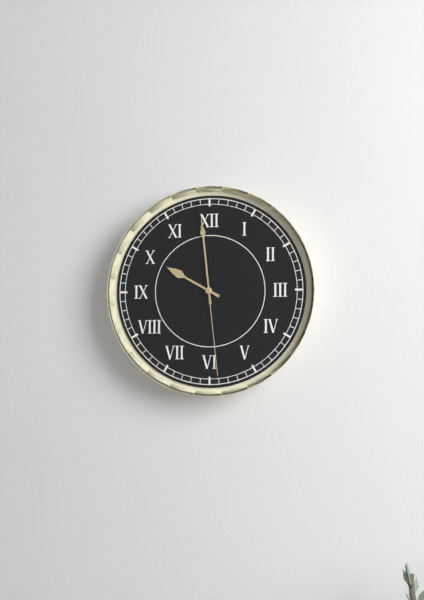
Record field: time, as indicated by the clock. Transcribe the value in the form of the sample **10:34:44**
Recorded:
**9:59:29**
